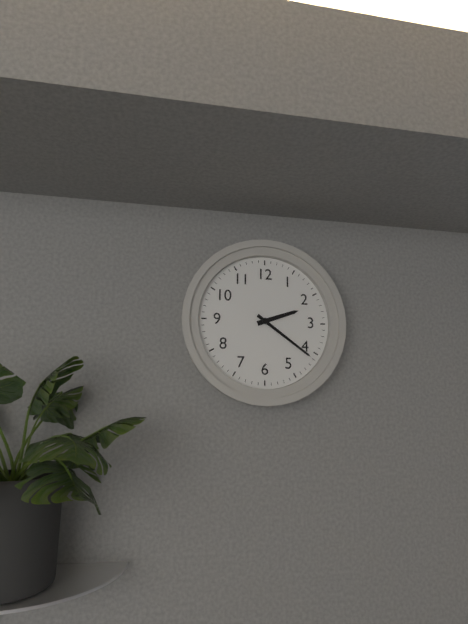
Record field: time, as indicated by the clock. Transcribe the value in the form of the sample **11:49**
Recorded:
**2:21**
